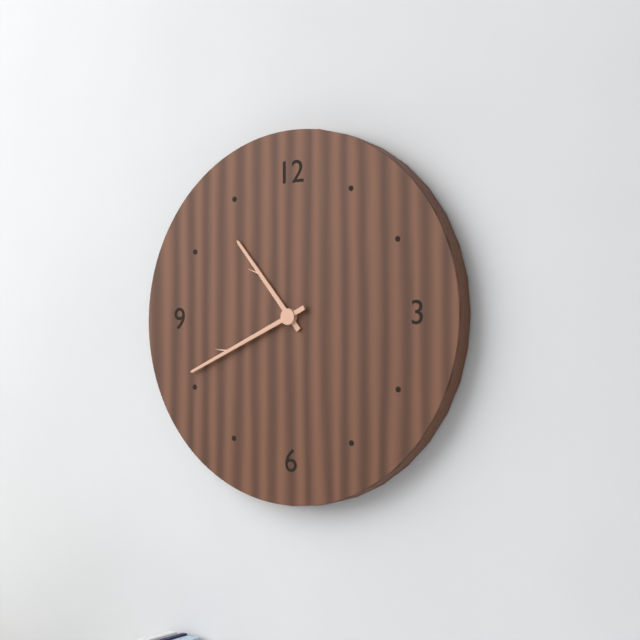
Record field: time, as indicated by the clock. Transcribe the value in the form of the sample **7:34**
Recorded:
**10:41**
